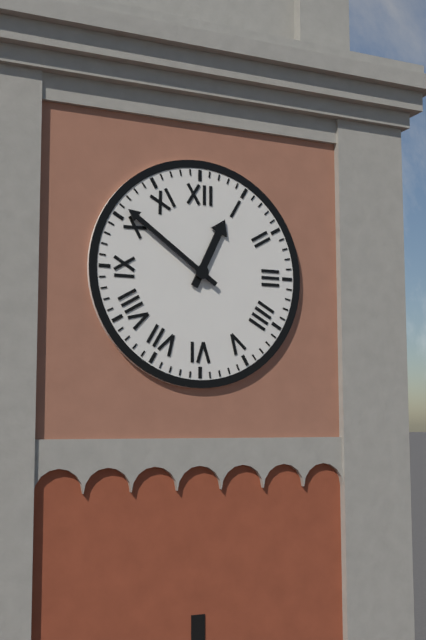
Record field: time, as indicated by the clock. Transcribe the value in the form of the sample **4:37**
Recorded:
**12:51**
